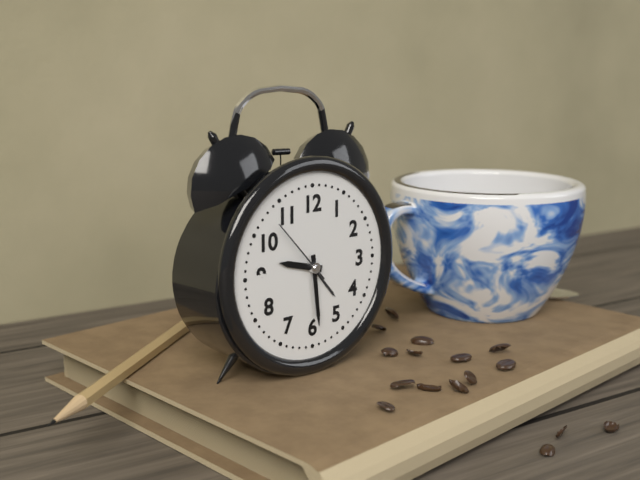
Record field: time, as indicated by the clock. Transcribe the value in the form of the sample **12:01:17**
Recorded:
**9:29:53**
